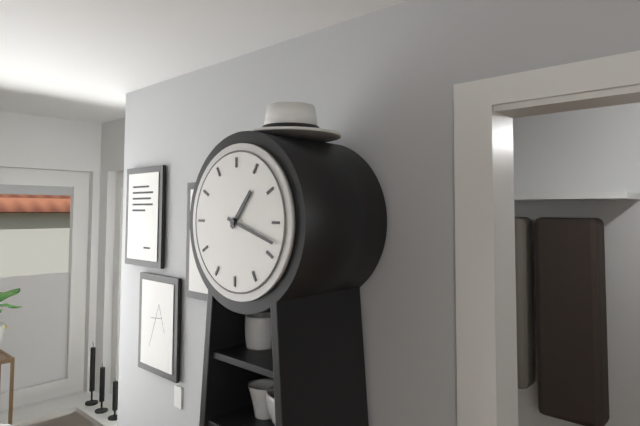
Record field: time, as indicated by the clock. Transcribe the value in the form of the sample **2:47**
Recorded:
**1:18**
